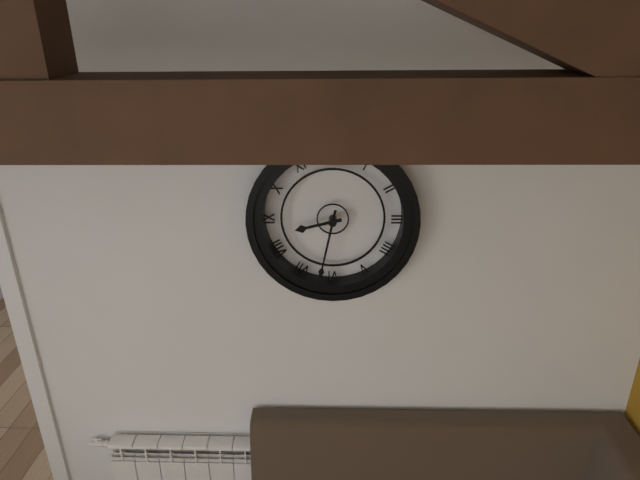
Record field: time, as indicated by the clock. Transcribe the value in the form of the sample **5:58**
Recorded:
**8:32**
